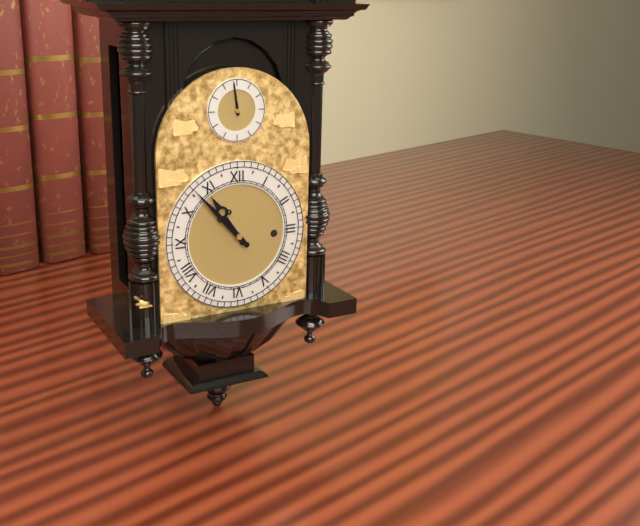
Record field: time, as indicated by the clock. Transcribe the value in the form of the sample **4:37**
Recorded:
**10:53**
